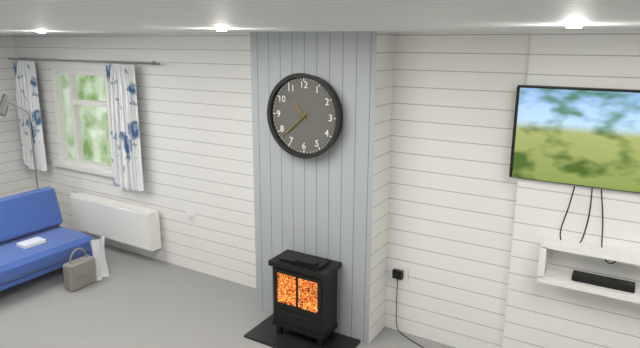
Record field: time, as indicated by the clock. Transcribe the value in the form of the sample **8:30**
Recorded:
**10:38**
